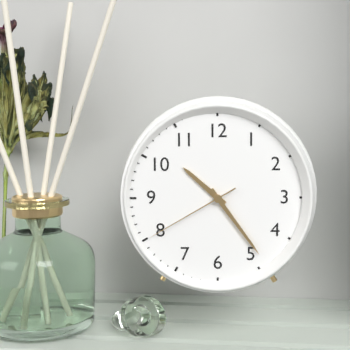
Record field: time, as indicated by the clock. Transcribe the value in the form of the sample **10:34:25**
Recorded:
**10:24:40**
